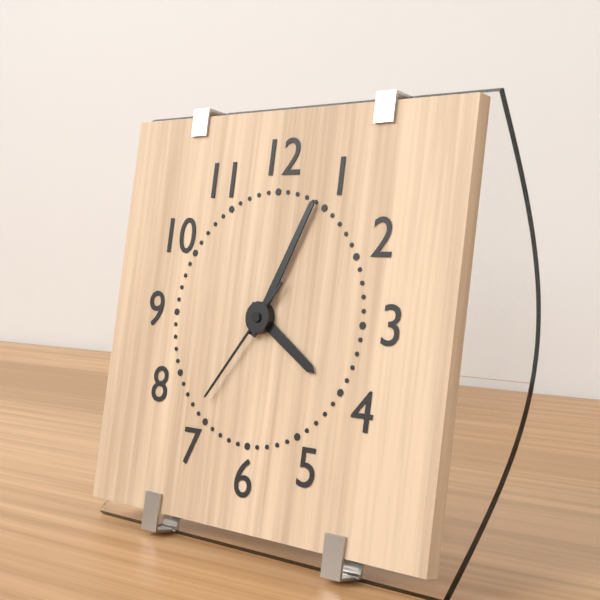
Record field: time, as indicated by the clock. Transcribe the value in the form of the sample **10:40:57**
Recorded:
**4:04:36**
